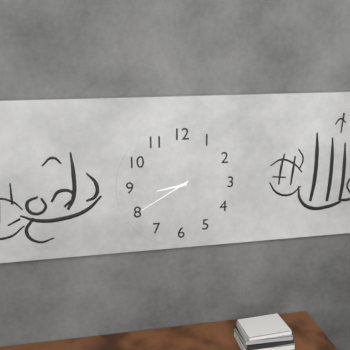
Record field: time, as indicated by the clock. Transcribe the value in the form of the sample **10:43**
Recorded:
**8:40**
